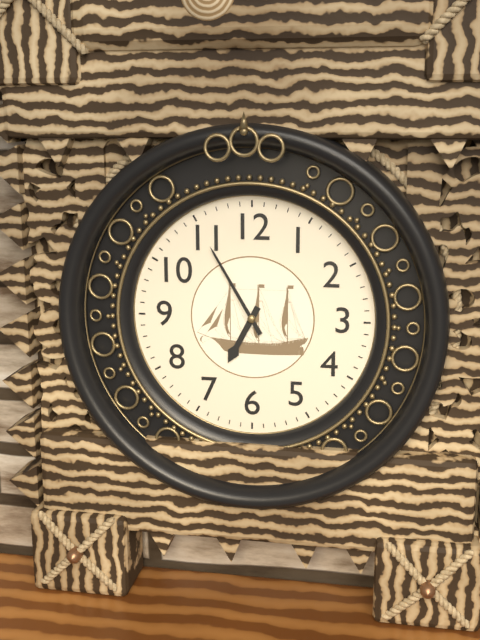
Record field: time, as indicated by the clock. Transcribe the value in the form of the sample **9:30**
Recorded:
**6:55**
